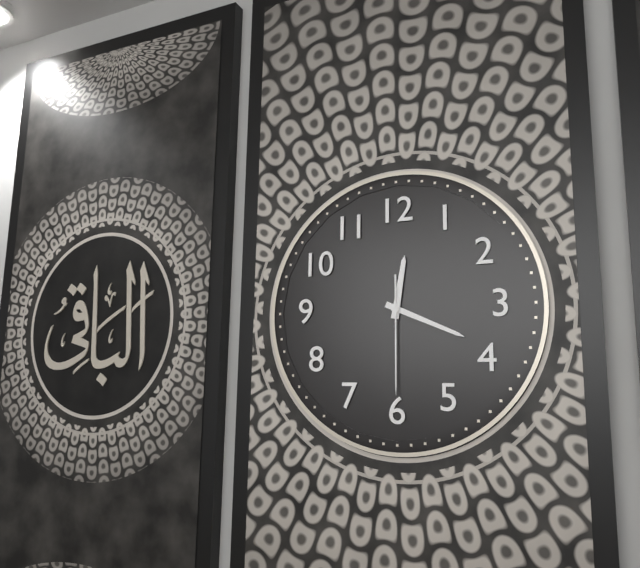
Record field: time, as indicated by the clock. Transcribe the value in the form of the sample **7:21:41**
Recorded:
**12:19:30**
